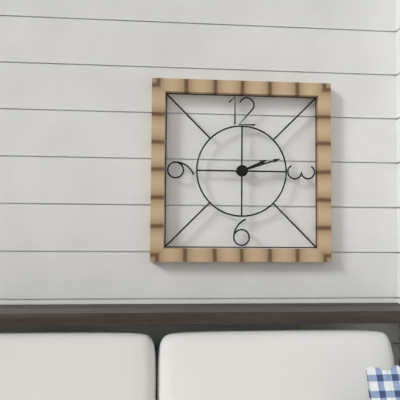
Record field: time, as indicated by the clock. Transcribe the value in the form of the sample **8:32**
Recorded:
**2:12**
